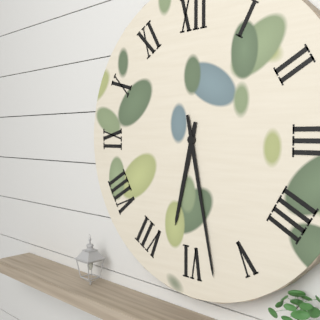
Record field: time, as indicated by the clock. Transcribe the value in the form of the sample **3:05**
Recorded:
**6:28**
